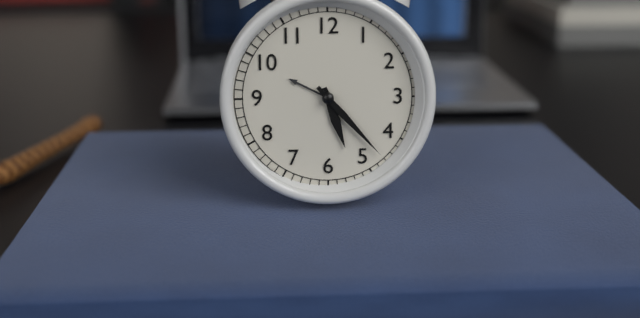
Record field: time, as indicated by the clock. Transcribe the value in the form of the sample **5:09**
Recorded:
**5:23**
